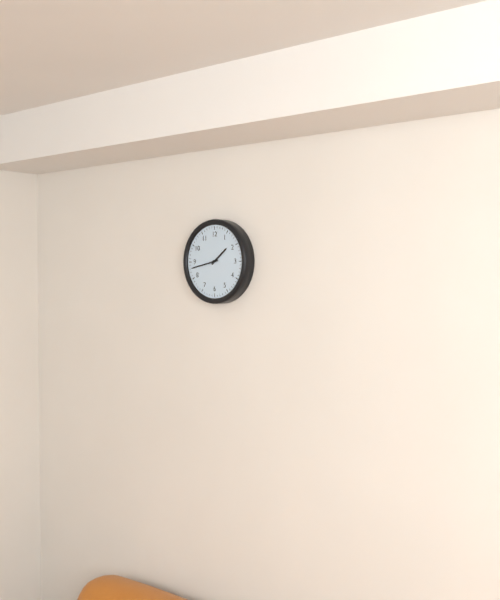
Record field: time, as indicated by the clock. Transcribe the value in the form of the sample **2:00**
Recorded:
**1:43**
